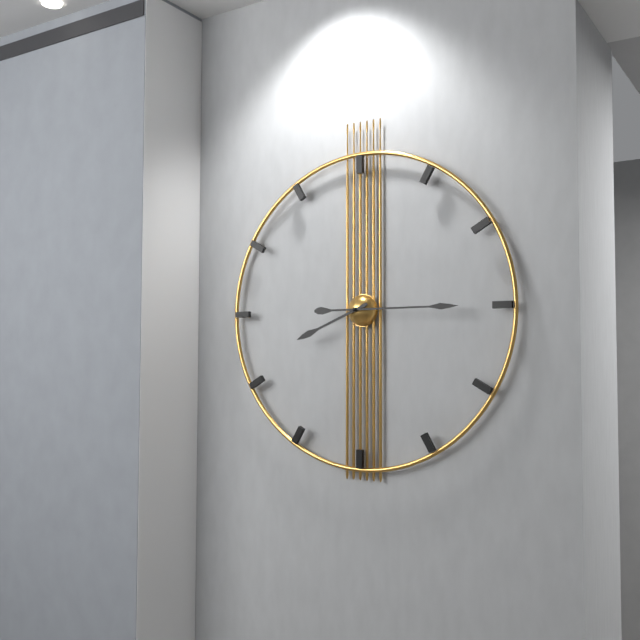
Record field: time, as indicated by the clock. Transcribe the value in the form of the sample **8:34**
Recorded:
**8:15**
